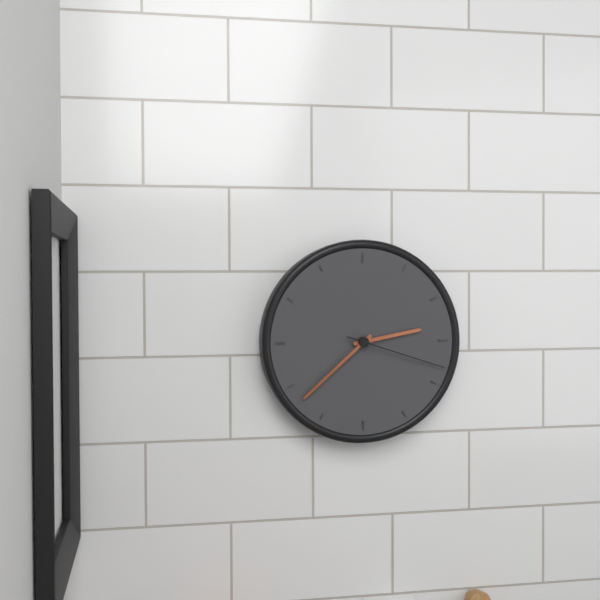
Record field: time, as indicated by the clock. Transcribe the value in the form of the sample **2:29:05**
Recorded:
**2:38:18**
